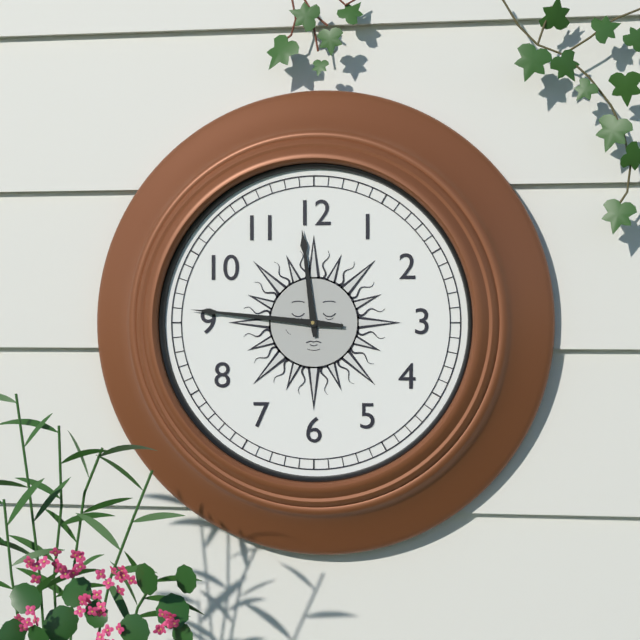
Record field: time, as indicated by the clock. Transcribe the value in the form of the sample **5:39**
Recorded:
**11:46**
